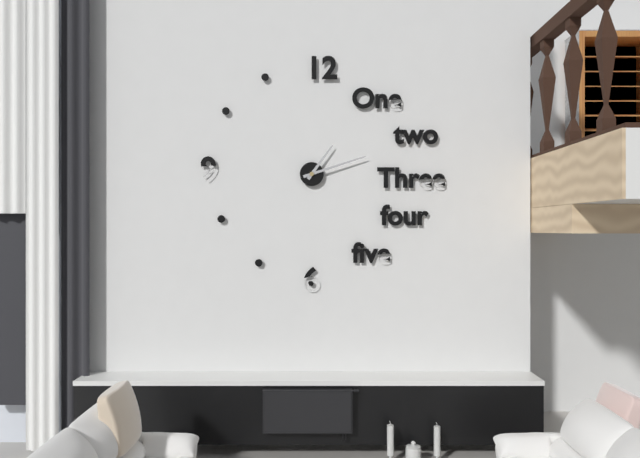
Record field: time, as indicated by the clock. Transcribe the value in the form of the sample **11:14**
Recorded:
**1:12**
